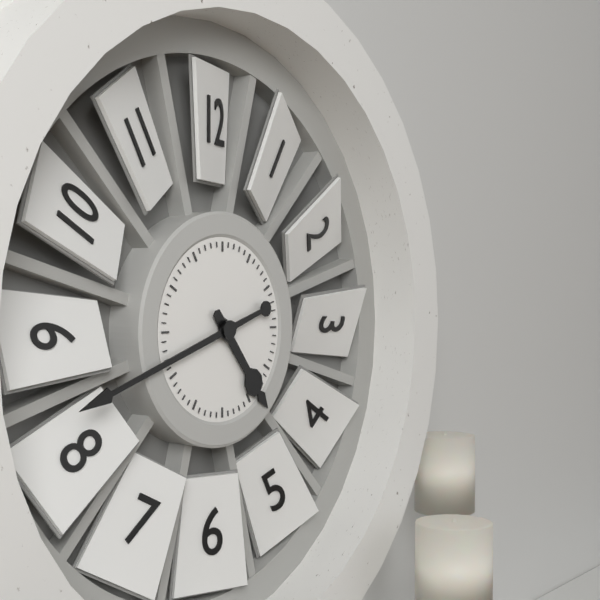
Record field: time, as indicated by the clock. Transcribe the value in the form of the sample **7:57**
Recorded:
**4:42**
